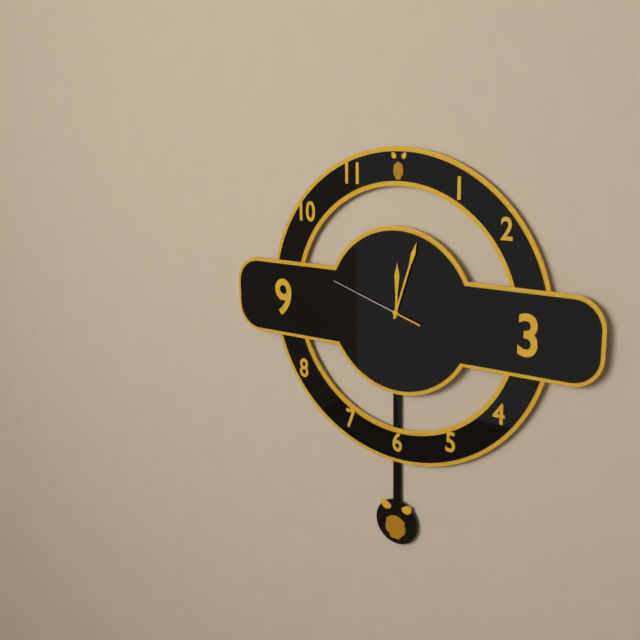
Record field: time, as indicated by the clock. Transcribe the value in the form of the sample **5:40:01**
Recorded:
**12:03:48**
